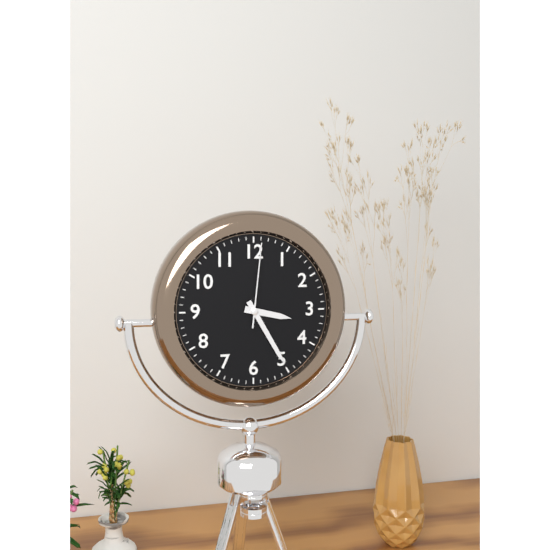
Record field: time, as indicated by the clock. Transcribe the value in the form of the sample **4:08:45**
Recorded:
**3:25:01**
